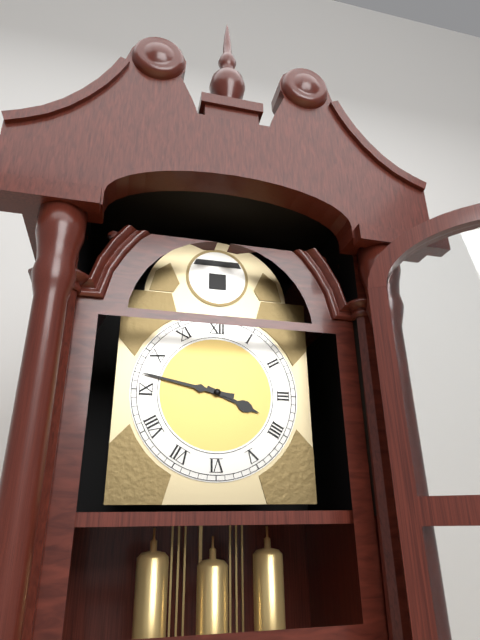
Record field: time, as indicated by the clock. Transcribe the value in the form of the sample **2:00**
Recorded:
**3:47**
